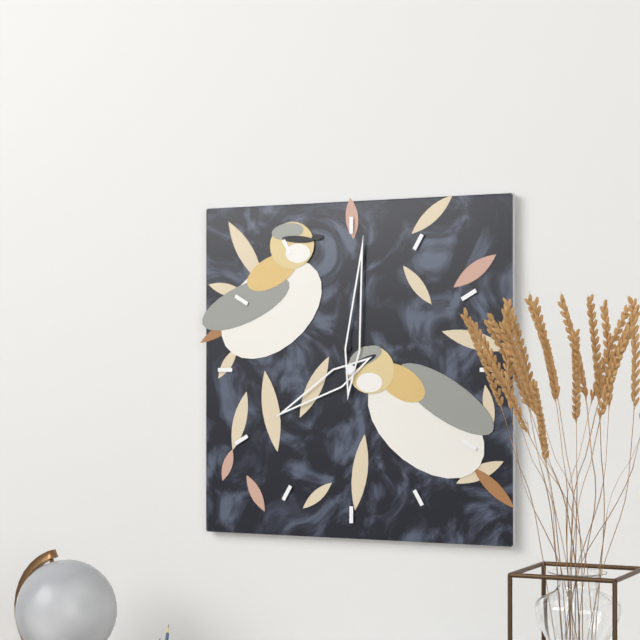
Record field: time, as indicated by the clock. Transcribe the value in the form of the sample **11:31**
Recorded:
**8:01**
